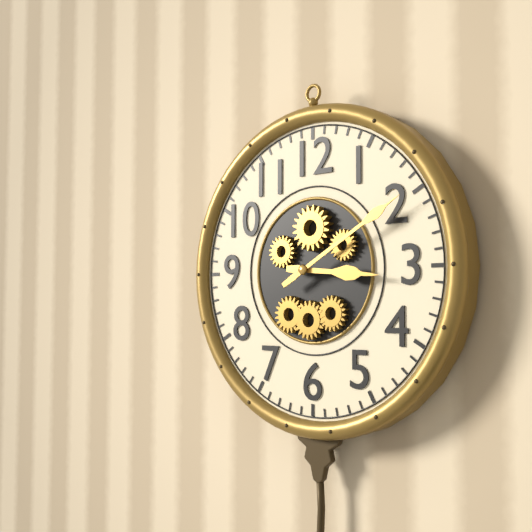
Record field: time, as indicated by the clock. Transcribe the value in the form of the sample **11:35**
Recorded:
**3:10**
